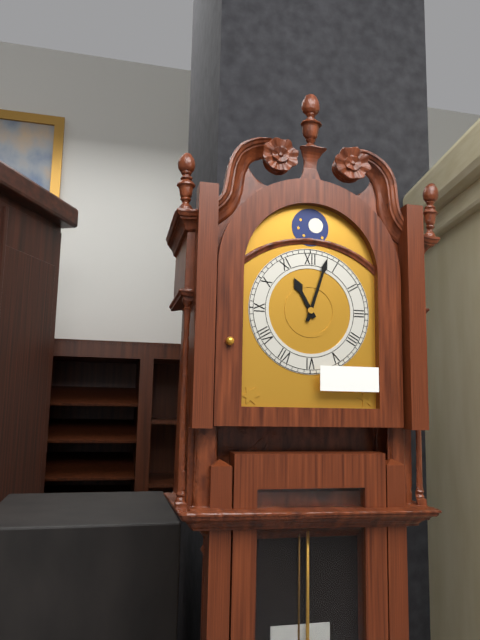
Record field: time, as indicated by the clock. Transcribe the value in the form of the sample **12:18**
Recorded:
**11:03**
